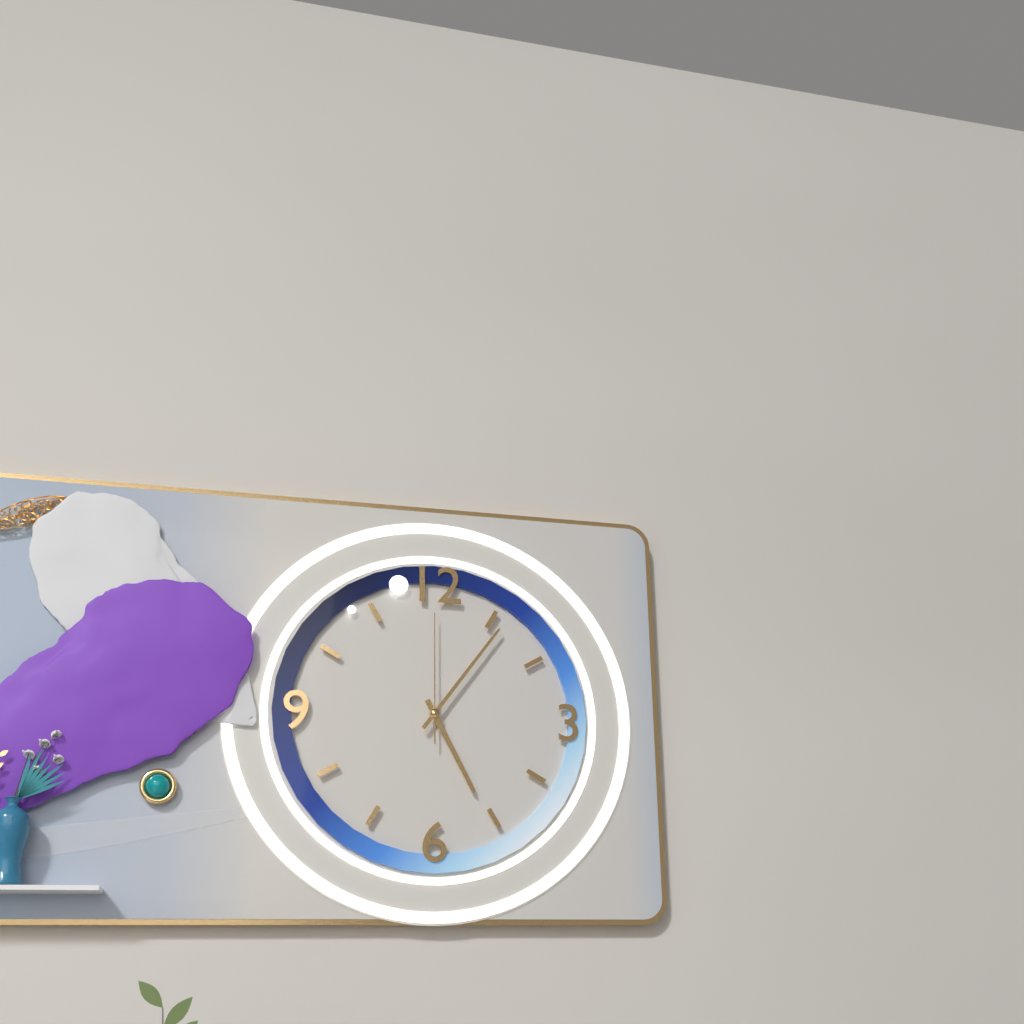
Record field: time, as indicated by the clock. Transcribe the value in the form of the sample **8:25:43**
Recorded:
**5:06:00**
